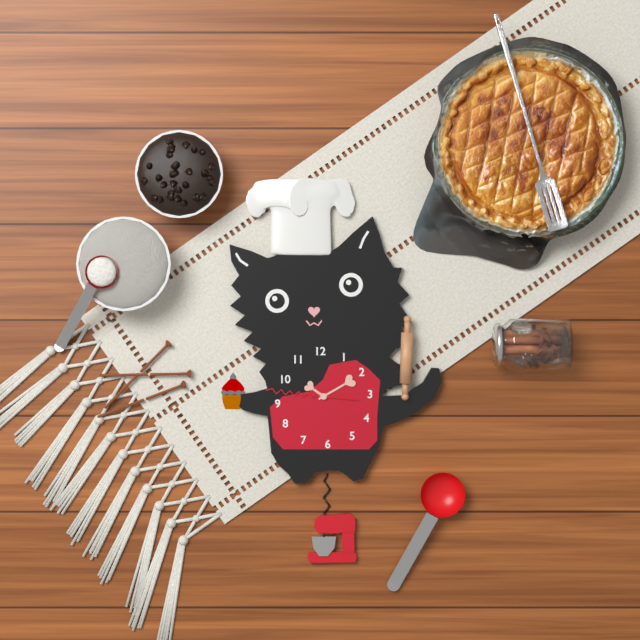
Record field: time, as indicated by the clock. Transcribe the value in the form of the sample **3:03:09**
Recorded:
**10:10:46**
